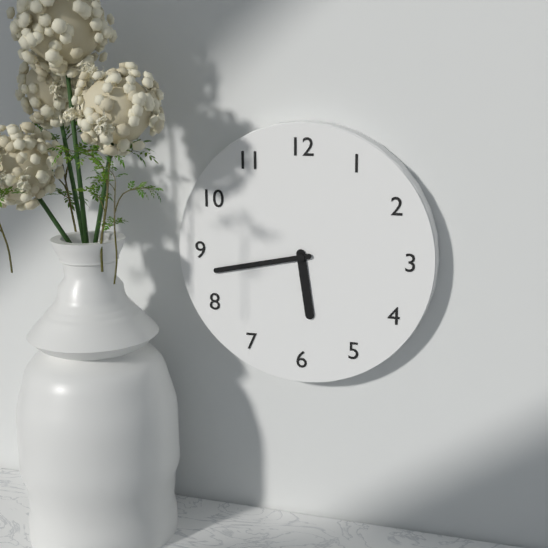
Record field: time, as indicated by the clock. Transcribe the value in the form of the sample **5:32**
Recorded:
**5:43**
